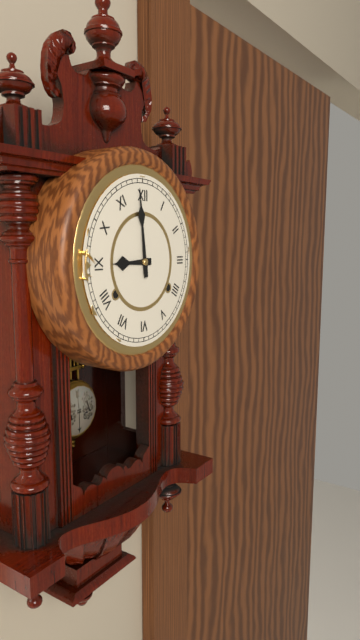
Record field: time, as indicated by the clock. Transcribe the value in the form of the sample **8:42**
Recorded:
**8:59**
